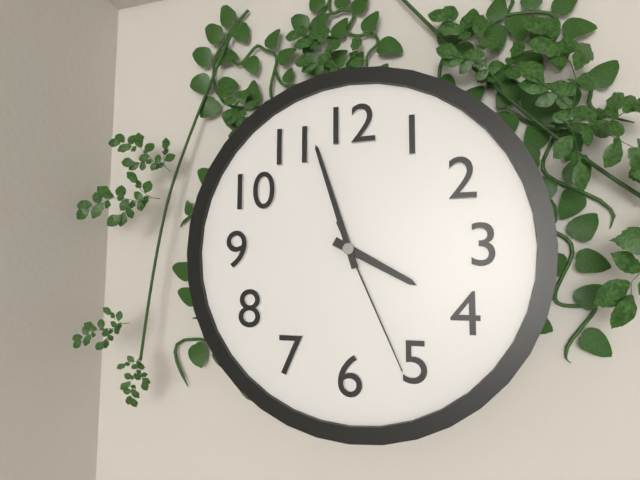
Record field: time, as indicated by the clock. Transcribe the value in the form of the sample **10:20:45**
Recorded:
**3:57:26**
